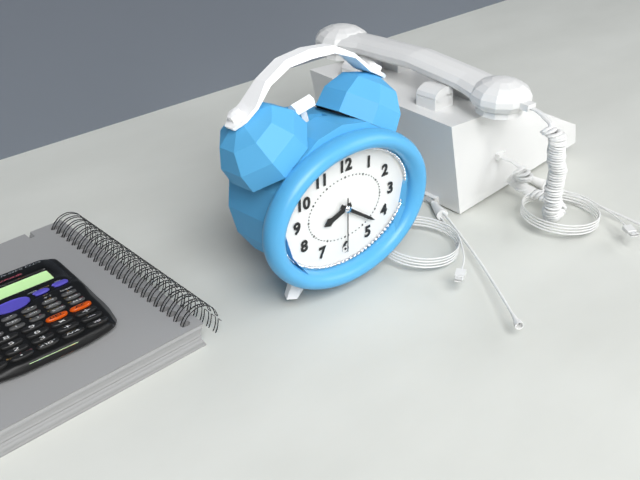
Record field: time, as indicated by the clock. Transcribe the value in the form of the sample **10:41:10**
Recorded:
**8:21:30**
